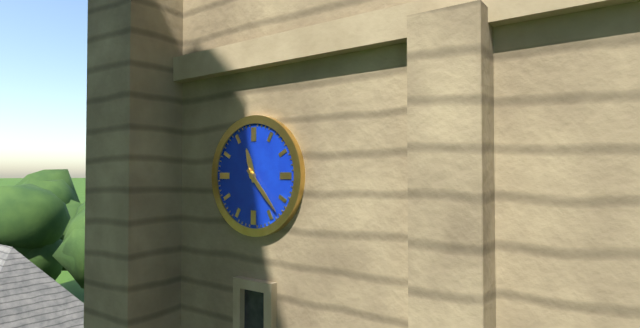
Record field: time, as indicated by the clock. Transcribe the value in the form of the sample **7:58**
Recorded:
**11:23**
